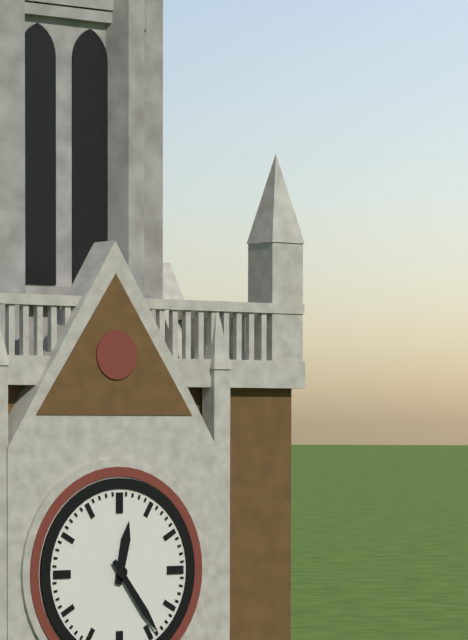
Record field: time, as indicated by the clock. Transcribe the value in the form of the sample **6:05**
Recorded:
**12:24**
